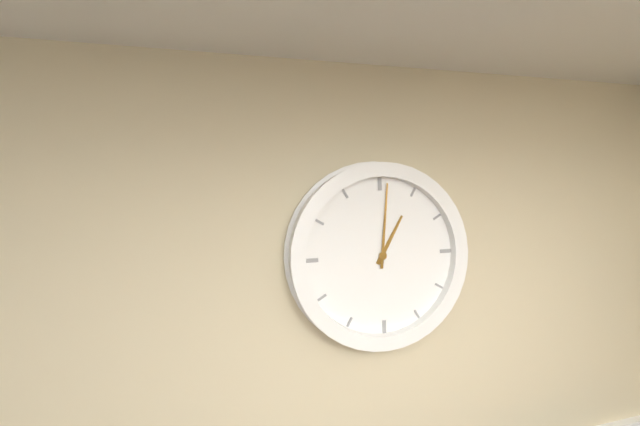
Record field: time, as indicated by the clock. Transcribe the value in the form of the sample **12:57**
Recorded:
**1:01**
